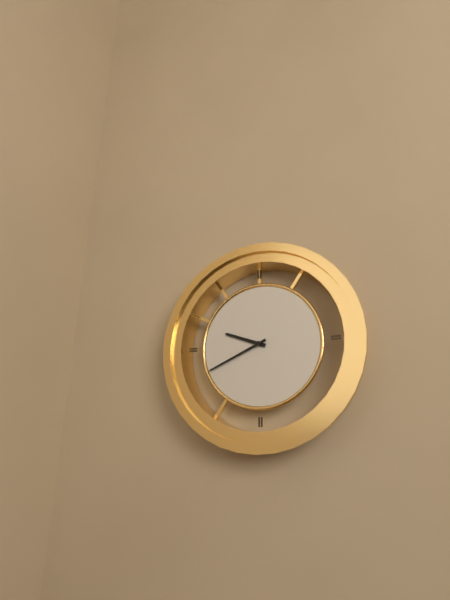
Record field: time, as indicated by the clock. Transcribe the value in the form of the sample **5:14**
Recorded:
**9:41**
